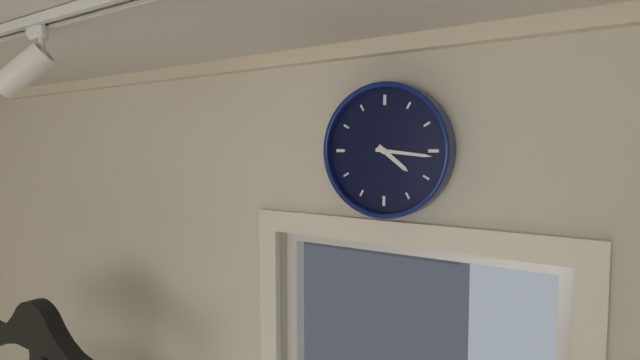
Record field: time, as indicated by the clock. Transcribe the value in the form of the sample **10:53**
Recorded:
**4:16**
